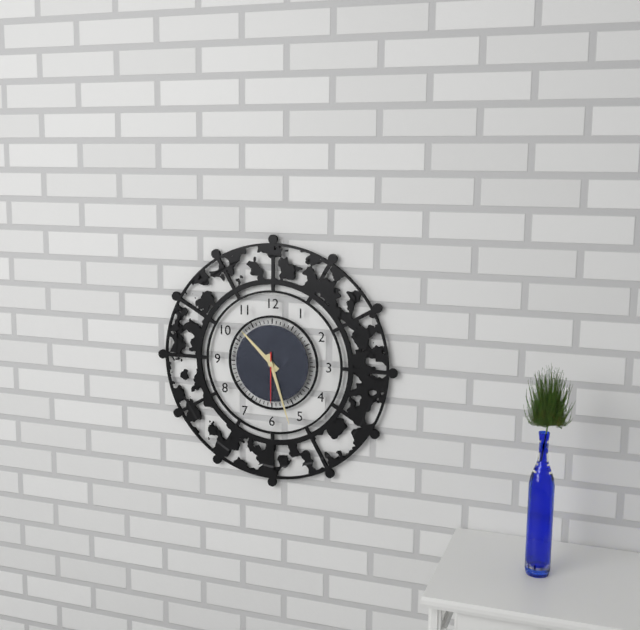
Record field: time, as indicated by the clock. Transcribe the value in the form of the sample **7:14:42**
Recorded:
**10:27:30**
